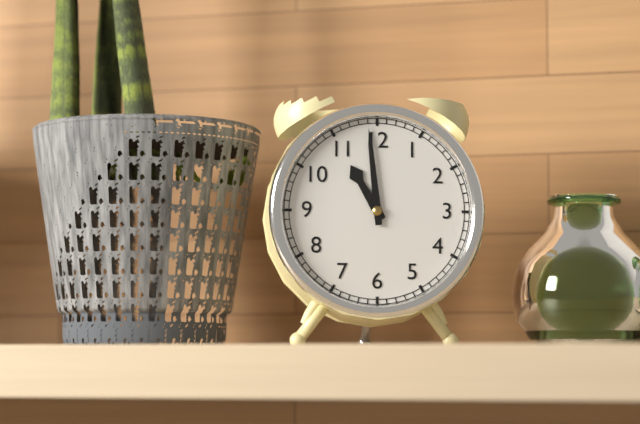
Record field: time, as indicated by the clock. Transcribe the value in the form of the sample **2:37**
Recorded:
**10:59**
